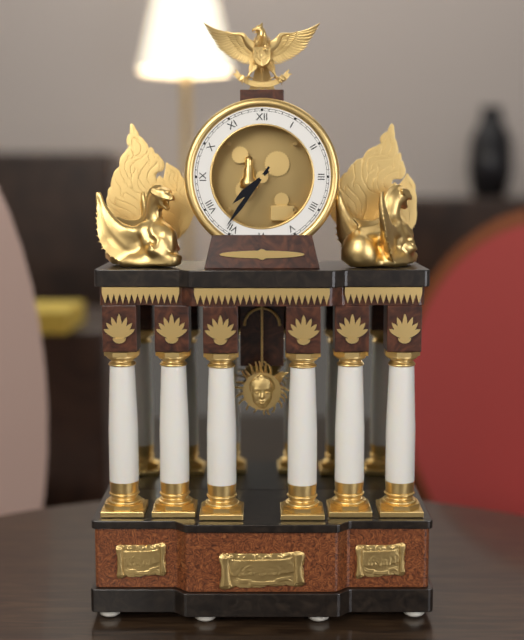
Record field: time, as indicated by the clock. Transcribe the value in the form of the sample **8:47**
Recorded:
**7:36**
